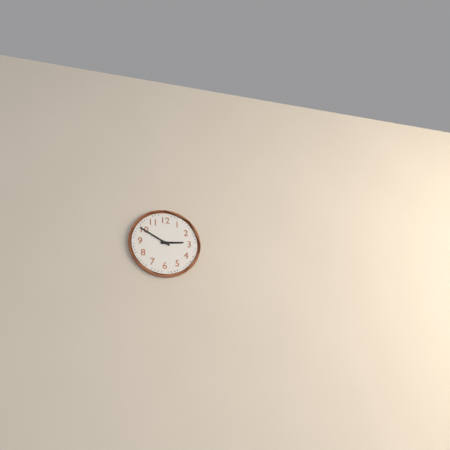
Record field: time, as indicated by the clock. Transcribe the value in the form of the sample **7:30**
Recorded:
**2:50**
